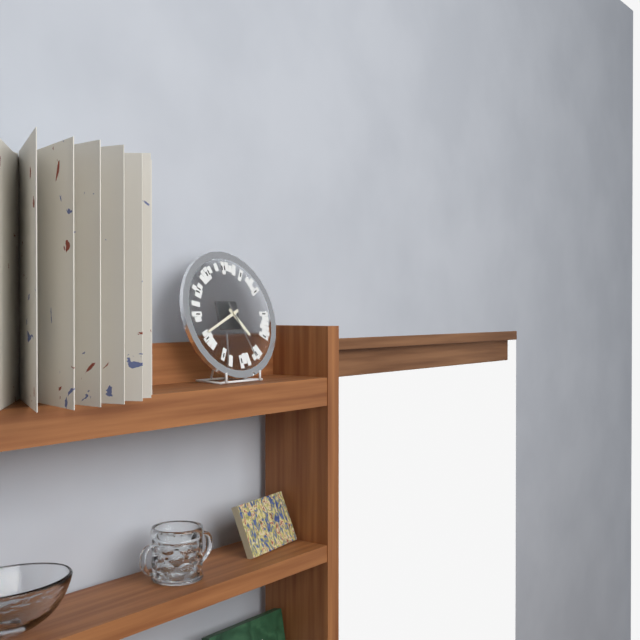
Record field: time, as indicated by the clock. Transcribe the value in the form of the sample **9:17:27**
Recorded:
**4:41:26**
